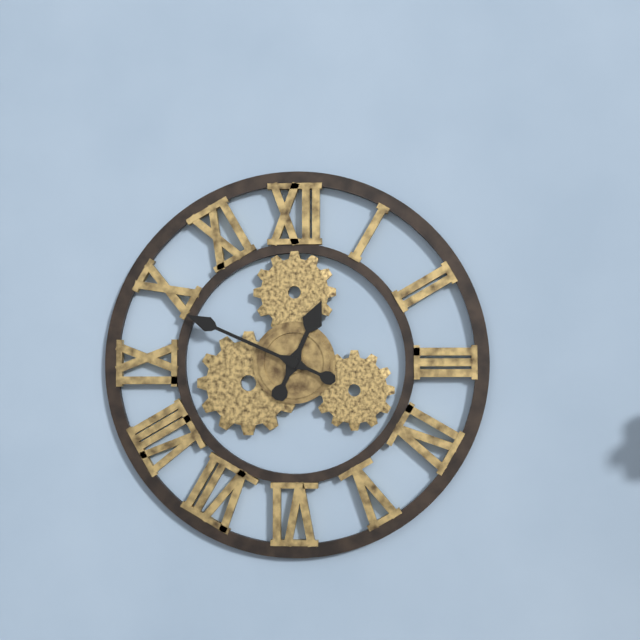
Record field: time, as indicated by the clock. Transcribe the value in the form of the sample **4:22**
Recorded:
**12:49**
